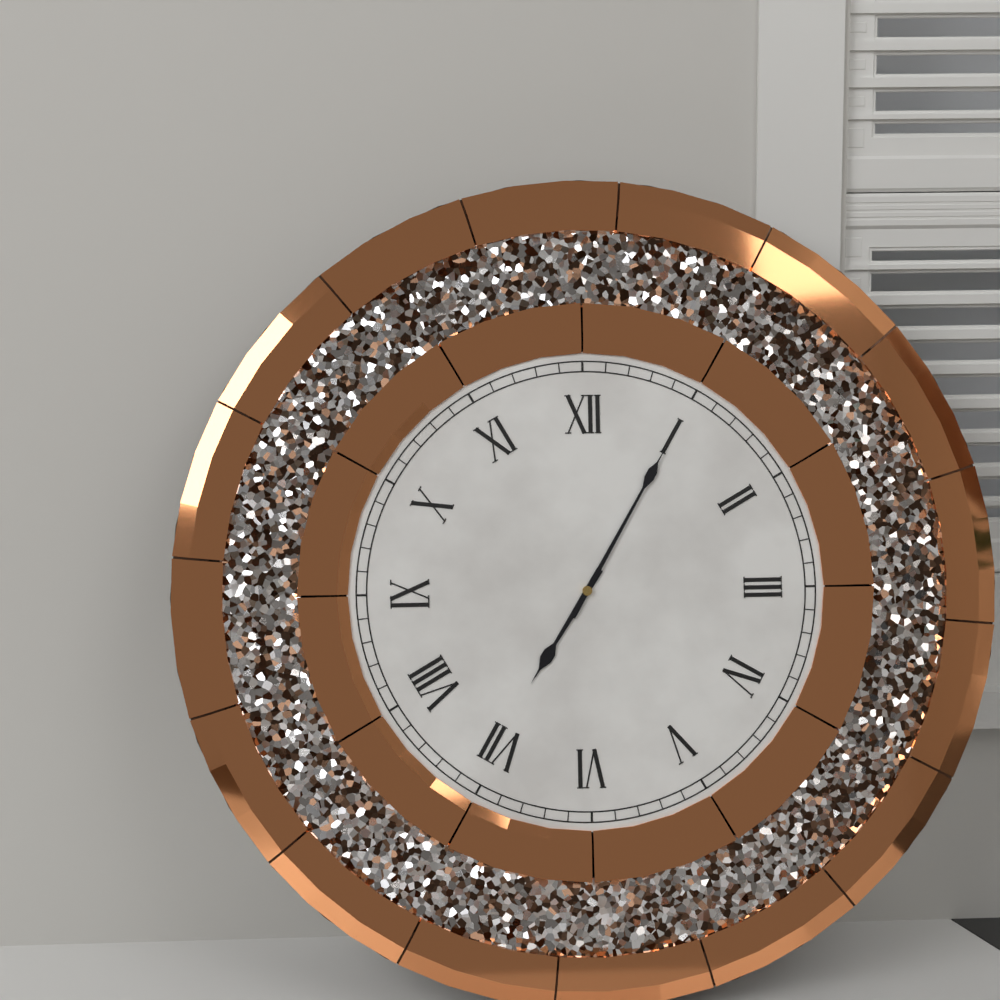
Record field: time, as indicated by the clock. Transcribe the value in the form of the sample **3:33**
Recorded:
**7:05**
